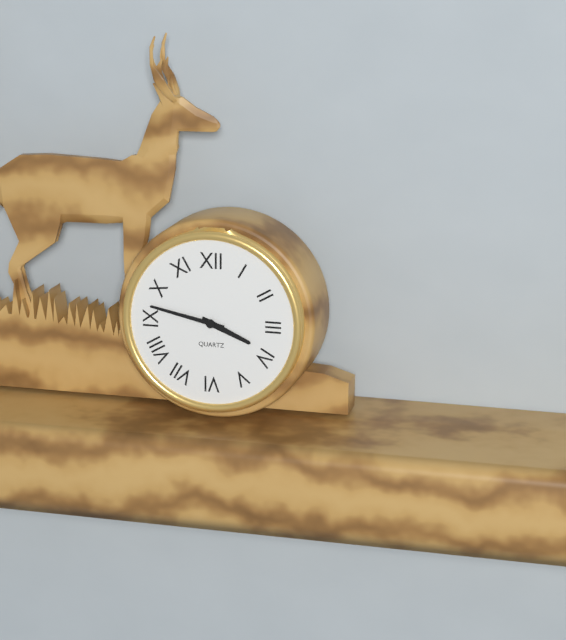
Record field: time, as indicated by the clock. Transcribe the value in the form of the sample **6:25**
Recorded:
**3:47**
